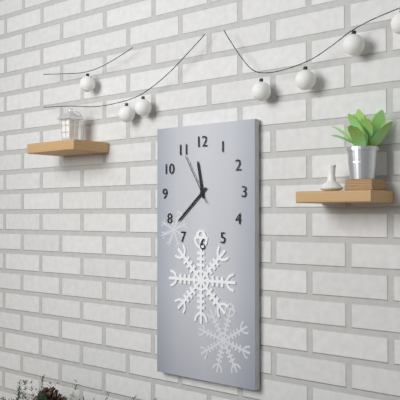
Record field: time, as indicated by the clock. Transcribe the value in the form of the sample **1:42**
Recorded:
**11:38**
